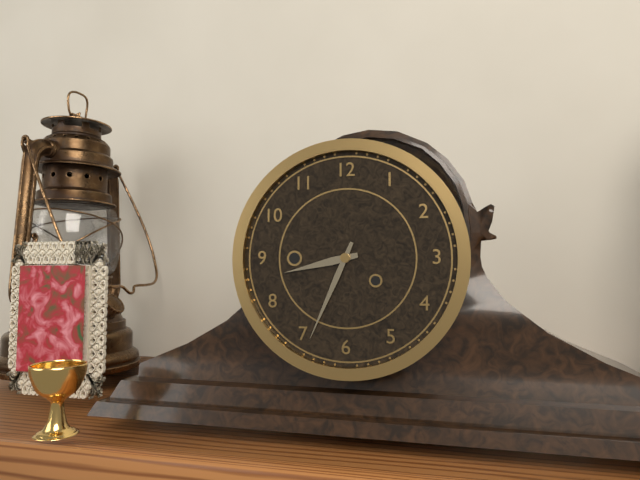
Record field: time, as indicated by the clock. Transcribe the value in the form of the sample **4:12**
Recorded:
**8:34**
